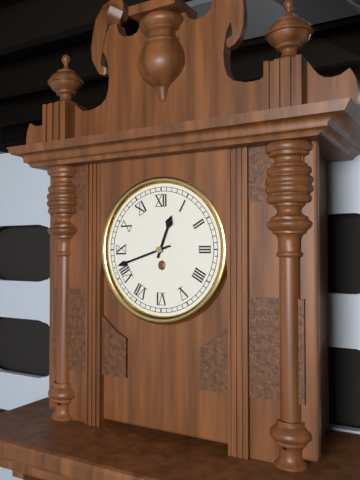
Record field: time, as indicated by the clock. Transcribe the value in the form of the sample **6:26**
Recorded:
**12:42**
